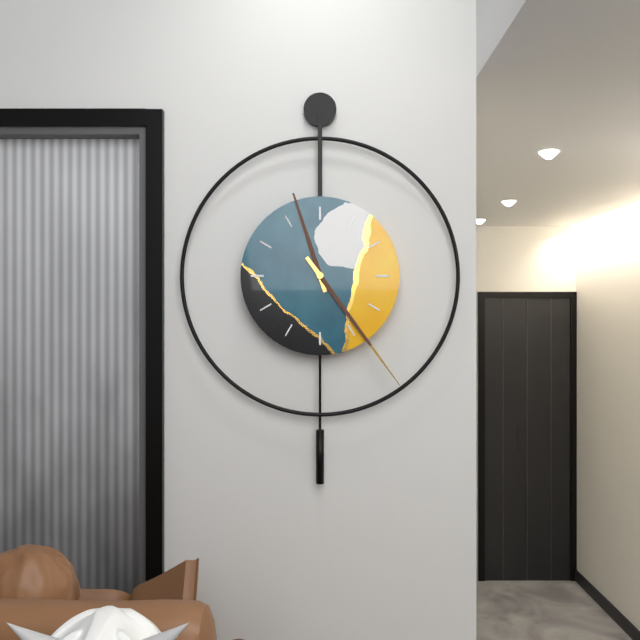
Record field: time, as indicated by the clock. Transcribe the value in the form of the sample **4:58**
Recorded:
**11:24**
